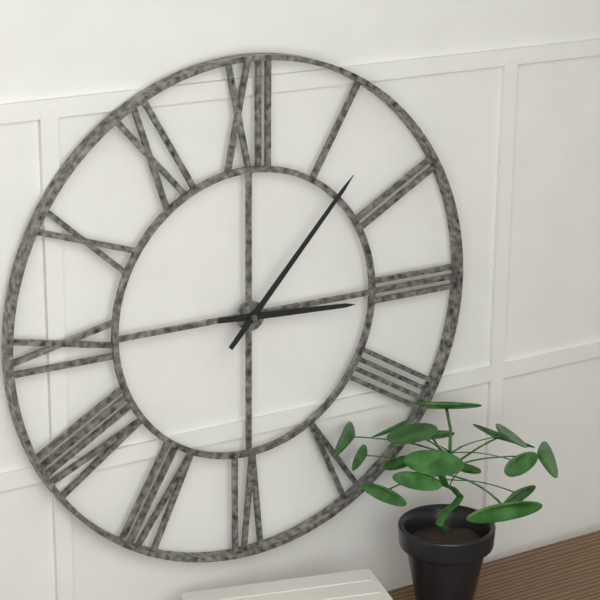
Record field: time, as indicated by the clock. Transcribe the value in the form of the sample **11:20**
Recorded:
**3:07**
